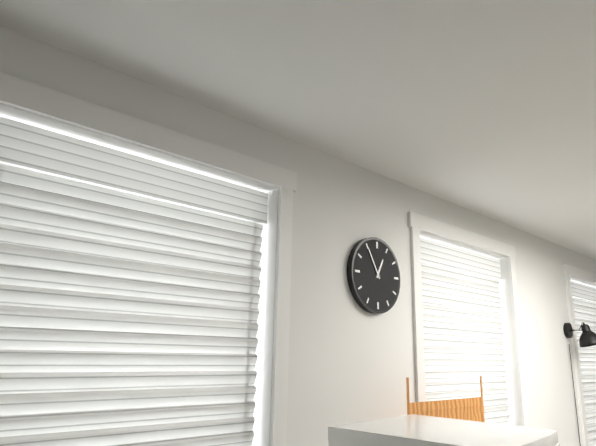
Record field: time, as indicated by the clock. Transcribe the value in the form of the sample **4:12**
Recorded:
**12:55**
